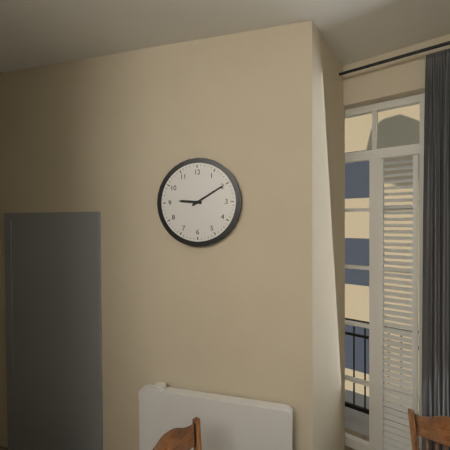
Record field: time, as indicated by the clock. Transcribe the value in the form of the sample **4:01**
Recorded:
**9:10**
